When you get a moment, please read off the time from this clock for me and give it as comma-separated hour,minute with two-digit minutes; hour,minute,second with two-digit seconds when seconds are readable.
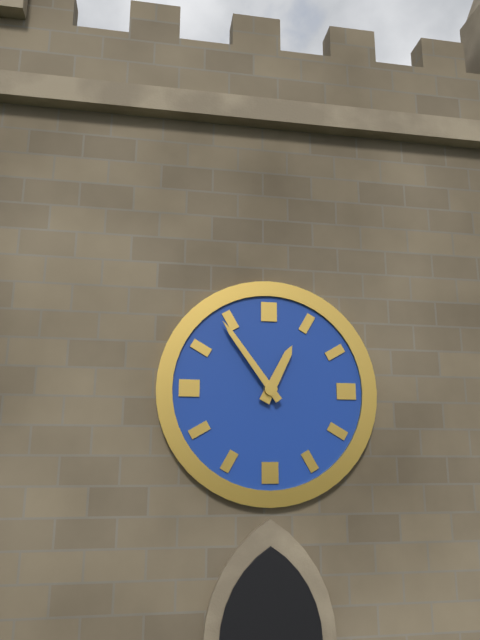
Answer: 12,54
